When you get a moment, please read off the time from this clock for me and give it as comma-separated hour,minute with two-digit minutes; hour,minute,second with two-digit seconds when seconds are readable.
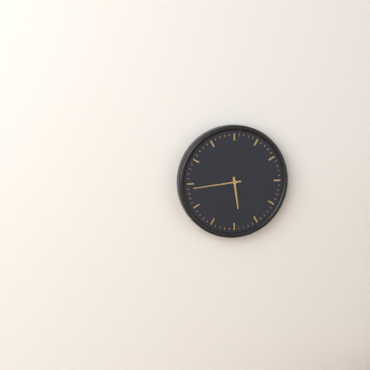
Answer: 5,44
